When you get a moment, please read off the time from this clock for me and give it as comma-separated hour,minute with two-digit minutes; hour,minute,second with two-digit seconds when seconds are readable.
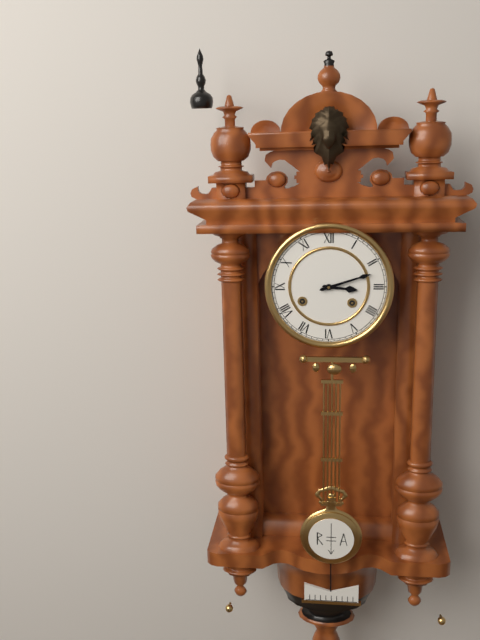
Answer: 3,12
